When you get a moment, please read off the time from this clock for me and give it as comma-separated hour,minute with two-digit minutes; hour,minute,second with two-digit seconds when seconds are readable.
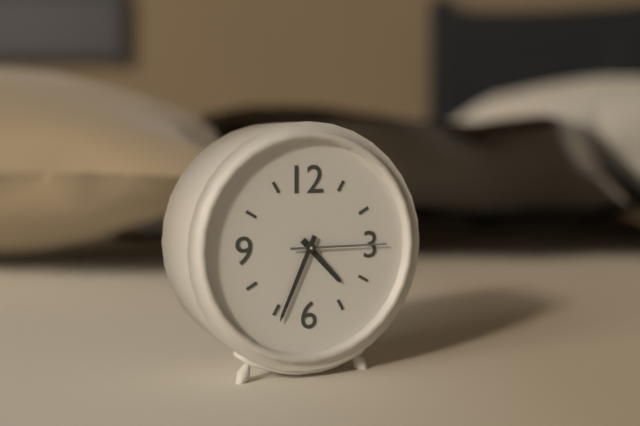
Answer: 4,34,15
